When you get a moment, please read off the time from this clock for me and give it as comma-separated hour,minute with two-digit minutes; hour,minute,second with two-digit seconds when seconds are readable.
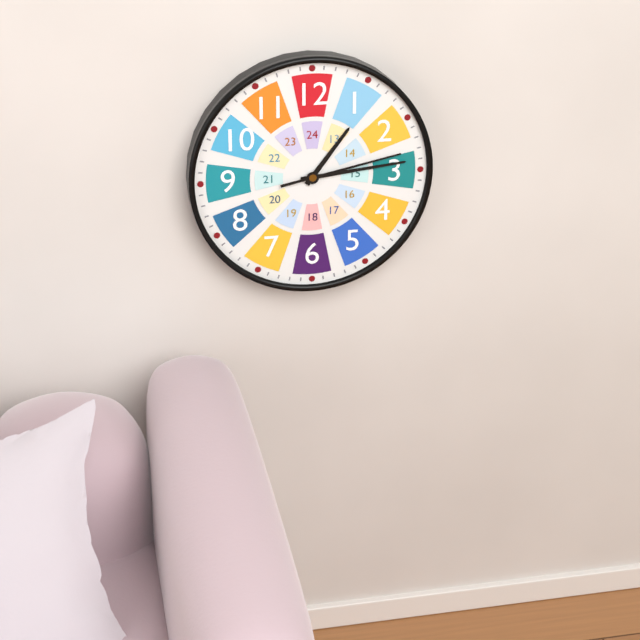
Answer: 1,14,13
